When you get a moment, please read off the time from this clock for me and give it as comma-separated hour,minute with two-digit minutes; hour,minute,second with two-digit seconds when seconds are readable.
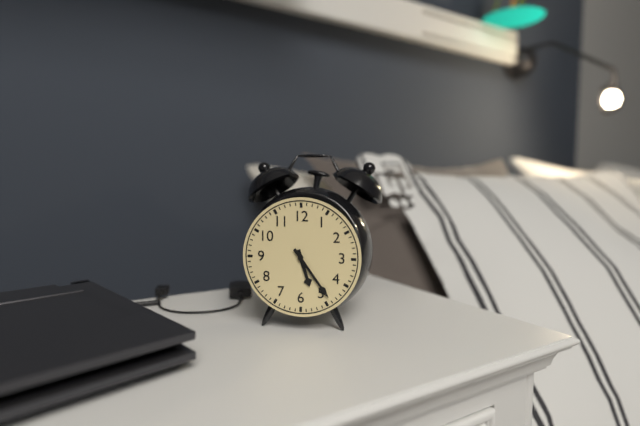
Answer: 5,24
